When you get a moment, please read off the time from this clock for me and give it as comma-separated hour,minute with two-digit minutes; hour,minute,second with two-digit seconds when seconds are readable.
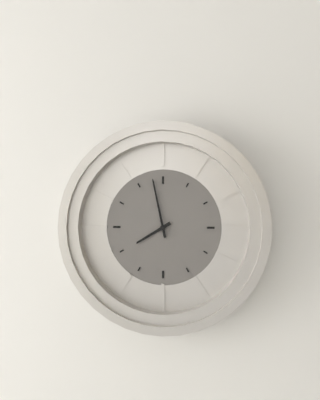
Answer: 7,58
